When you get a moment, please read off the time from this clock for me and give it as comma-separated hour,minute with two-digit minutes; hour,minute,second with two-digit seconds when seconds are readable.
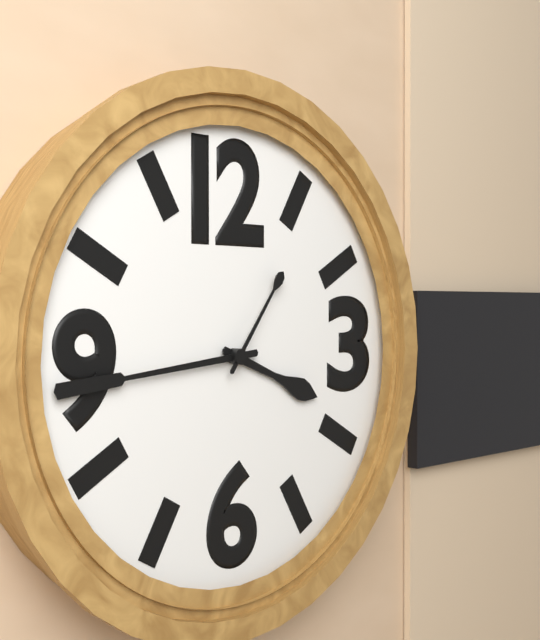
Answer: 3,44,06
